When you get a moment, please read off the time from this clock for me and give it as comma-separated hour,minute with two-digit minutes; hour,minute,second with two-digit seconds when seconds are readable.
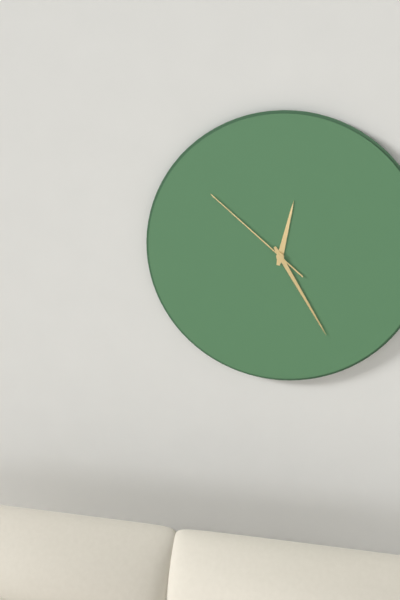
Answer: 12,25,52
